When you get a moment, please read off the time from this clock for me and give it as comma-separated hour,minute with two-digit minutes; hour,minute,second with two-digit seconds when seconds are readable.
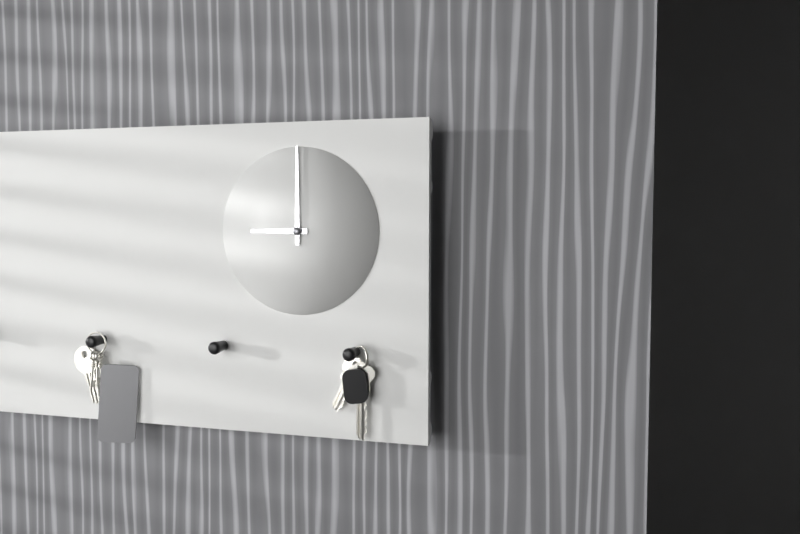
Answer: 9,00
